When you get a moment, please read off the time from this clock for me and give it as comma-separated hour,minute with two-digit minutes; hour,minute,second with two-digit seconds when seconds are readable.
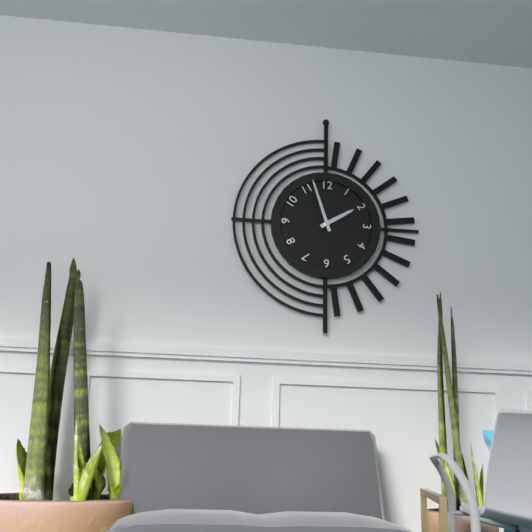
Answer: 1,57
